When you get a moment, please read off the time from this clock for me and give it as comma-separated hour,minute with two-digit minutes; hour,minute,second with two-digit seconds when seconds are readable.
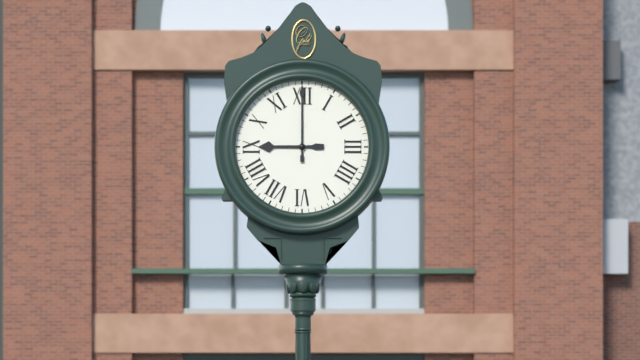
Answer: 9,00
